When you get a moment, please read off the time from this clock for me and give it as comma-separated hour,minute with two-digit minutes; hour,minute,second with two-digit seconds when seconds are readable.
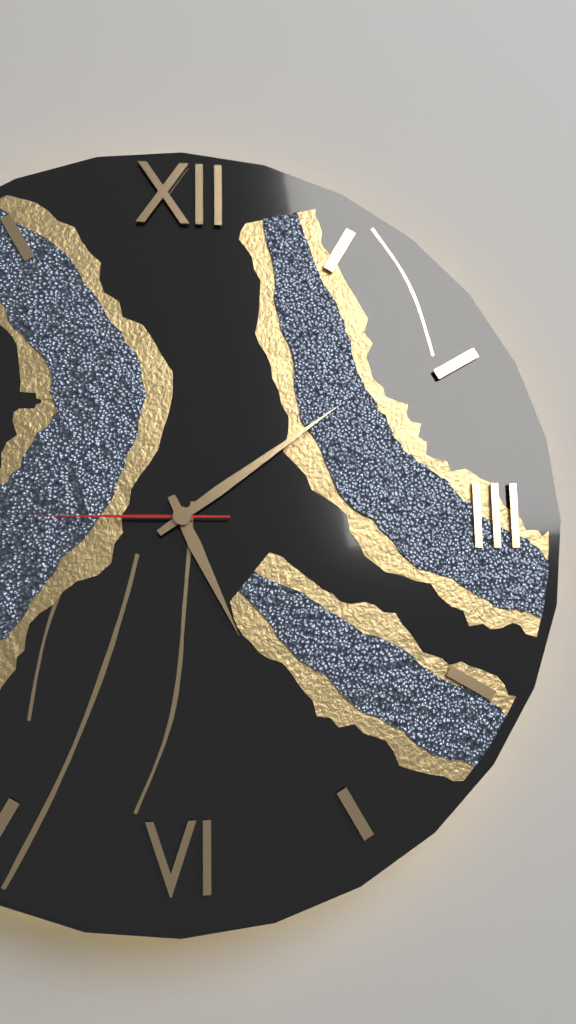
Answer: 5,09,45
